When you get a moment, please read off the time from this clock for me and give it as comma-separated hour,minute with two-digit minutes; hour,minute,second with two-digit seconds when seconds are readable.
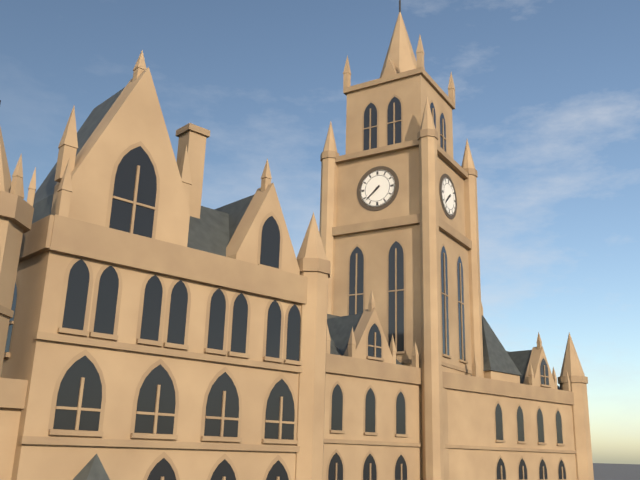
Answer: 7,38
